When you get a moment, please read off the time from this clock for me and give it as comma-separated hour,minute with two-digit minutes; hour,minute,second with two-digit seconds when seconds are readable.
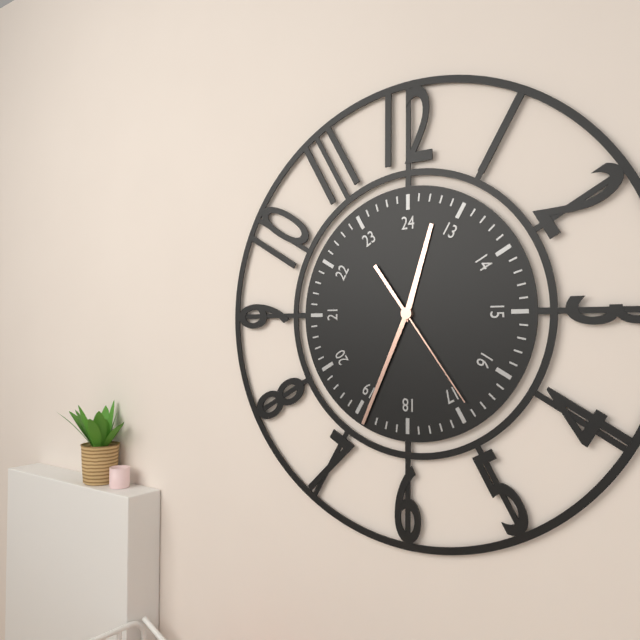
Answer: 12,34,24
